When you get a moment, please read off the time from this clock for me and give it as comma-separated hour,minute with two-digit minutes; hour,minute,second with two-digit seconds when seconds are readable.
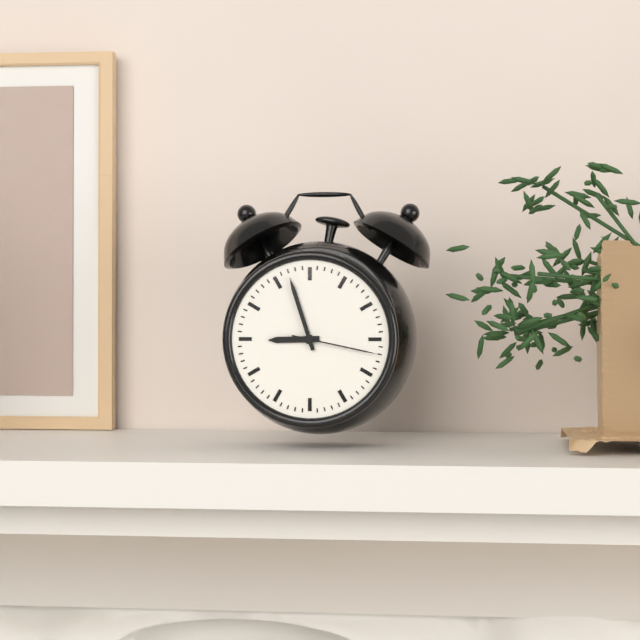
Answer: 8,57,17
